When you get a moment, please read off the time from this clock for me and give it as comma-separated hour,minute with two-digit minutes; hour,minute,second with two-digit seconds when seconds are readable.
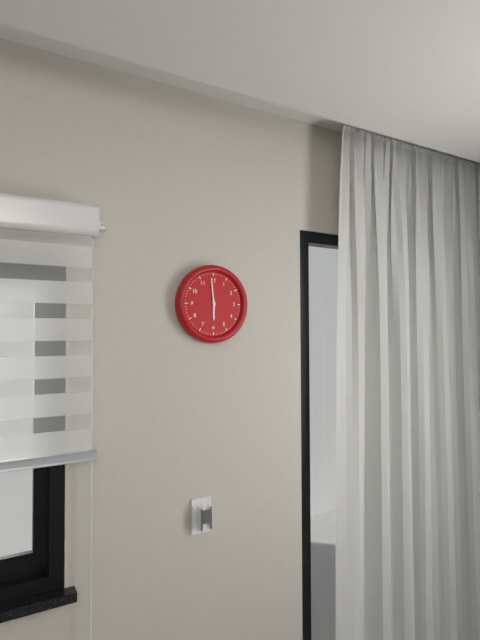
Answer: 5,59
